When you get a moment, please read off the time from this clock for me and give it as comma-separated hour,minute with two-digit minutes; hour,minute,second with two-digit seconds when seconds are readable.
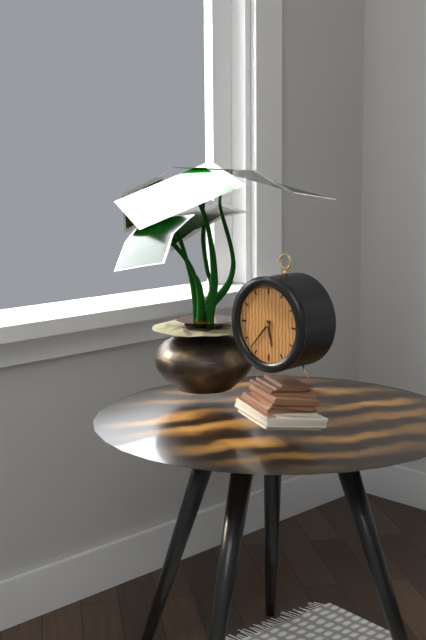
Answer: 5,37
